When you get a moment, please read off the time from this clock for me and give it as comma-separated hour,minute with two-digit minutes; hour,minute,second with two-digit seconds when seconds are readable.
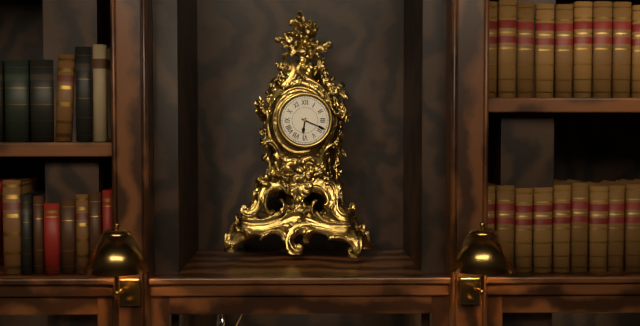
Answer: 6,19
